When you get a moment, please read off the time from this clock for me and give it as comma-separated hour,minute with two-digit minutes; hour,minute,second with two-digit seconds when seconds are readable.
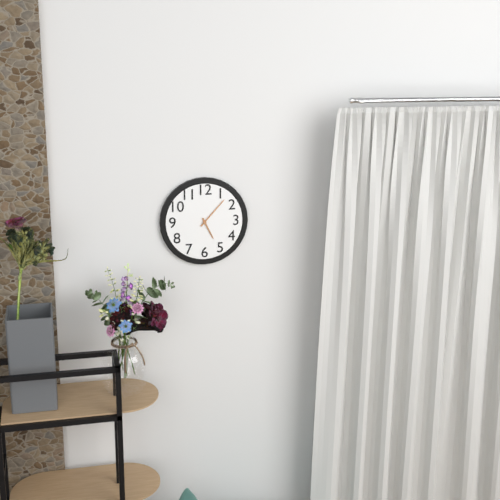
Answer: 5,07
